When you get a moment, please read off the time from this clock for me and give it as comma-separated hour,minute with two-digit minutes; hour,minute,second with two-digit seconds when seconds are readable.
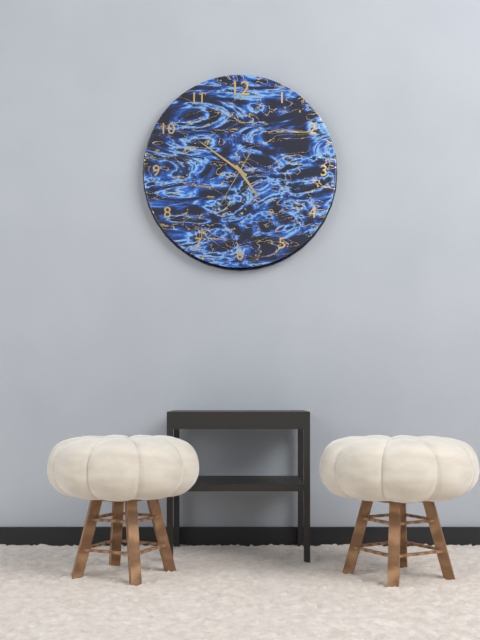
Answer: 4,51,35
